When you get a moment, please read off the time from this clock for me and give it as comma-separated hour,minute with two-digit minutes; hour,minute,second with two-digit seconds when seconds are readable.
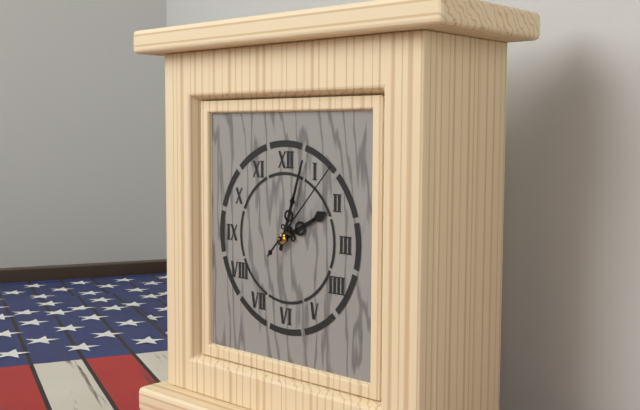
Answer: 2,03,07
